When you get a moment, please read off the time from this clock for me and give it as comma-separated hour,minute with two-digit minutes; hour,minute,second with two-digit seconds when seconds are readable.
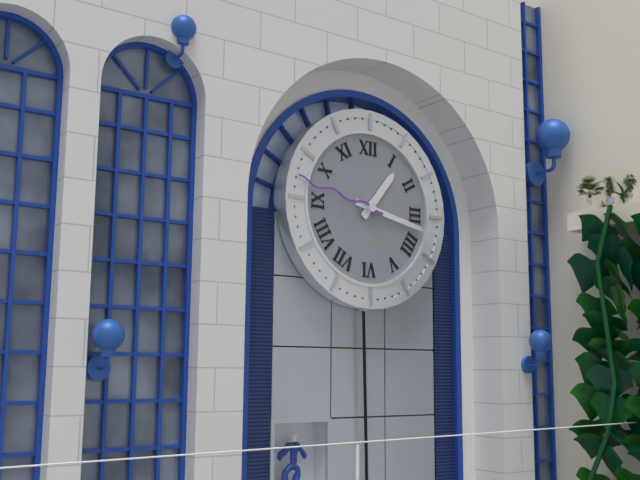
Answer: 1,17,47
